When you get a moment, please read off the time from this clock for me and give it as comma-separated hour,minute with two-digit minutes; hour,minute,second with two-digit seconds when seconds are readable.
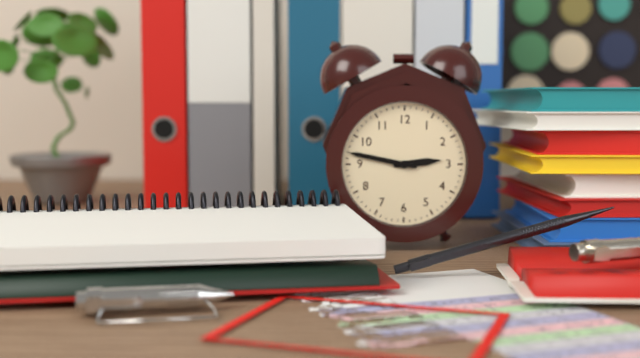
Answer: 2,47
